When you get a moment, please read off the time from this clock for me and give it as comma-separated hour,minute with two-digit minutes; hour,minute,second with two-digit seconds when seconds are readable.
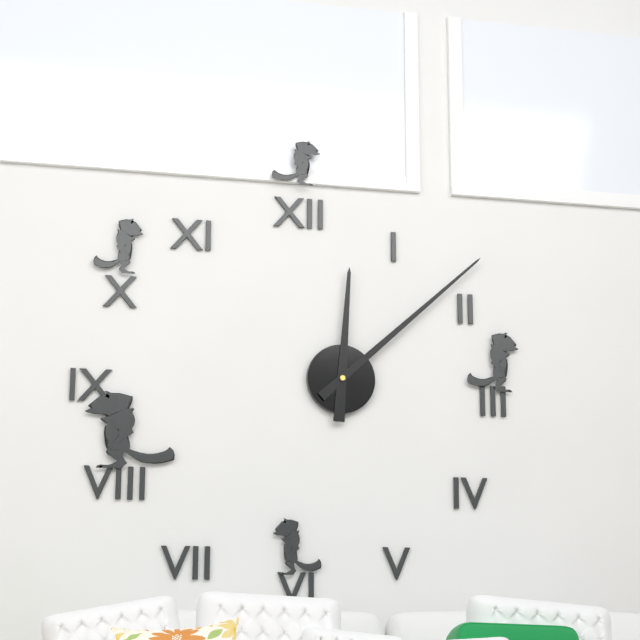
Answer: 12,08
